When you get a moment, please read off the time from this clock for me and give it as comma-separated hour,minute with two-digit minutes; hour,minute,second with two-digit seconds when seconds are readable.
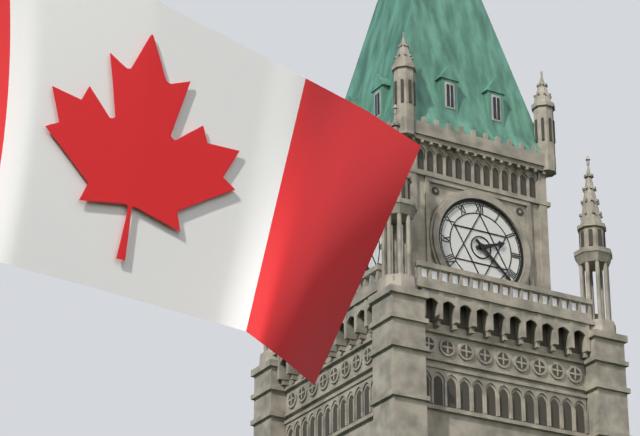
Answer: 2,22
